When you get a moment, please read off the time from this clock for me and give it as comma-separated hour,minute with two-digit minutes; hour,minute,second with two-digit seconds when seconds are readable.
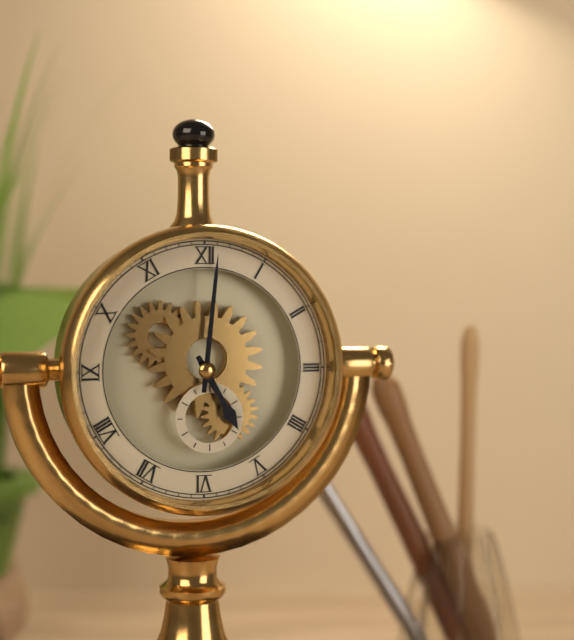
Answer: 5,01
